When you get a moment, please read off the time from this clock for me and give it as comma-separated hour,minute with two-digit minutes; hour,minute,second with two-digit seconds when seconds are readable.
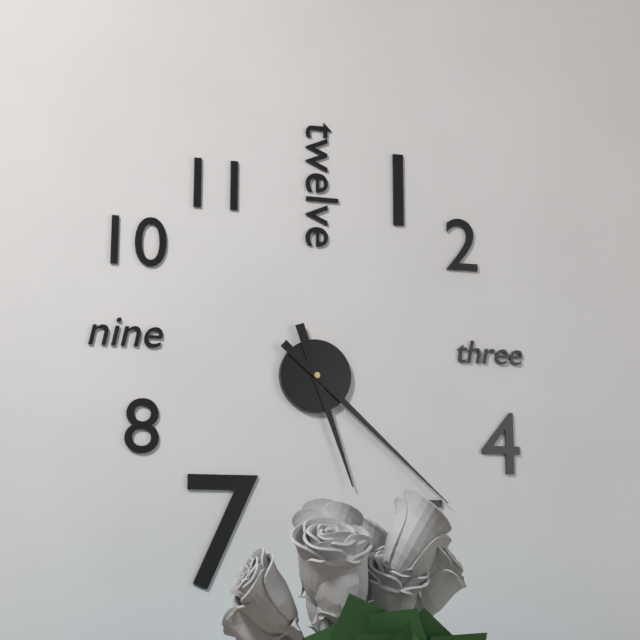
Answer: 5,22
